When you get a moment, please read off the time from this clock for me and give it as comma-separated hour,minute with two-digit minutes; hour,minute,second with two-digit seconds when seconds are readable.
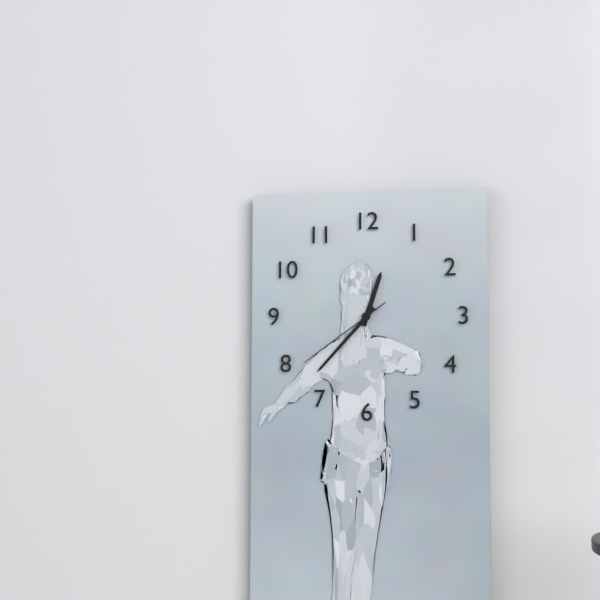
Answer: 12,37,39
